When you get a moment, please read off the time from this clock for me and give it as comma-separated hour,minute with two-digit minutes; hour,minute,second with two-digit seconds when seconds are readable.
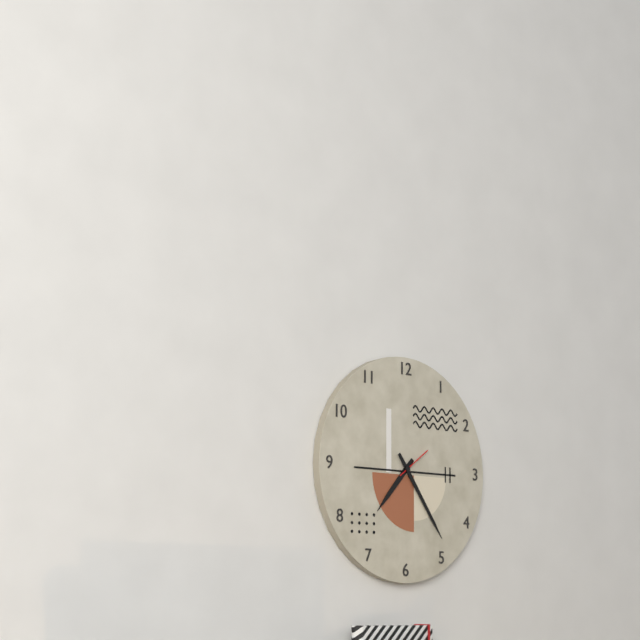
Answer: 7,24
